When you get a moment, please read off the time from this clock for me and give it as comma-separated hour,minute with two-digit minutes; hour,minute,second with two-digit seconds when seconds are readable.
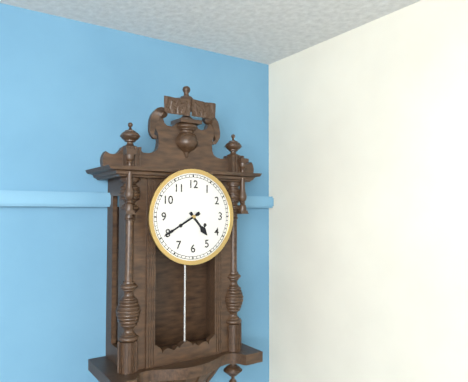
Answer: 4,40
